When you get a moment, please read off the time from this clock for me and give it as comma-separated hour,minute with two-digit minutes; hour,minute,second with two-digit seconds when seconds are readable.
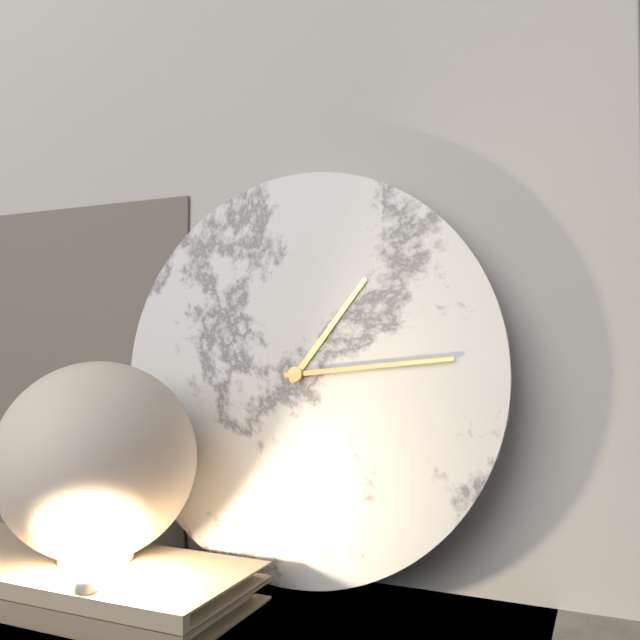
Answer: 1,14
